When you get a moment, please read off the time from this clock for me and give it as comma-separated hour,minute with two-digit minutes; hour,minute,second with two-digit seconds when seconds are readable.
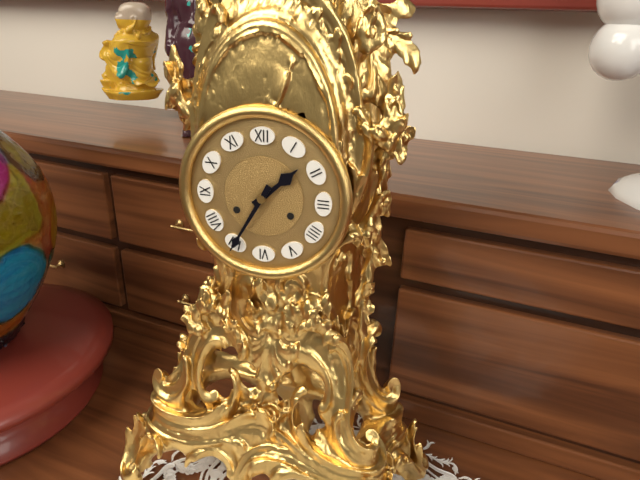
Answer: 1,35
